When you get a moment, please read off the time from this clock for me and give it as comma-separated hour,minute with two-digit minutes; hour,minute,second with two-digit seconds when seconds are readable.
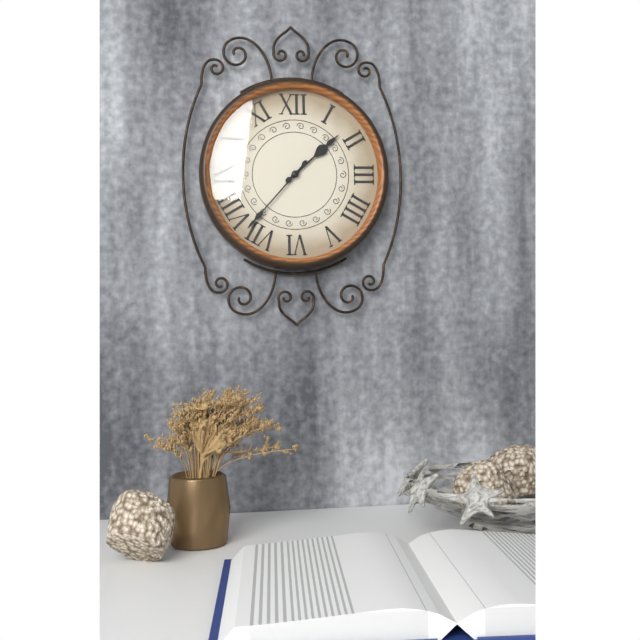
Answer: 1,37
